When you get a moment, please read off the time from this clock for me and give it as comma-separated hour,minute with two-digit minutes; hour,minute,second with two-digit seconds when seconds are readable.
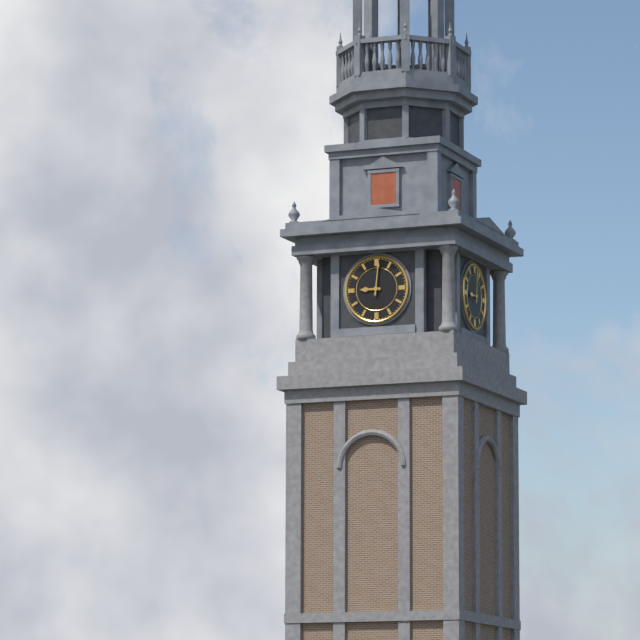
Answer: 9,01
